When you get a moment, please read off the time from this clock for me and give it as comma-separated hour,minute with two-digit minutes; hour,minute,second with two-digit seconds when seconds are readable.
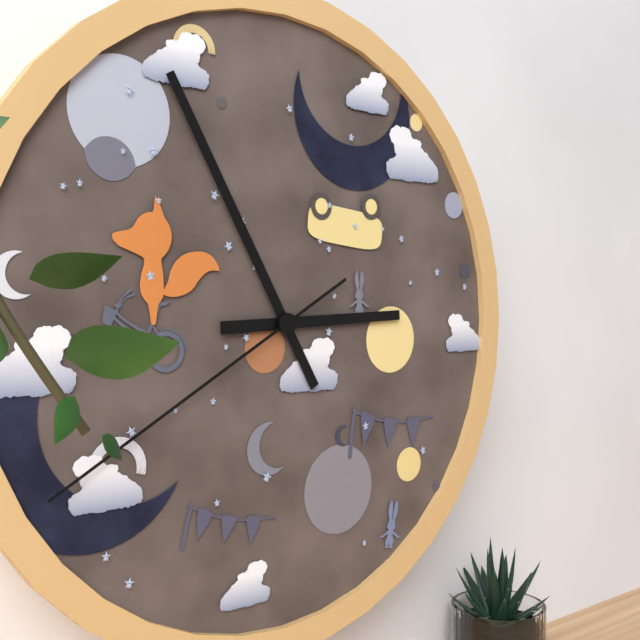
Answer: 2,55,40
